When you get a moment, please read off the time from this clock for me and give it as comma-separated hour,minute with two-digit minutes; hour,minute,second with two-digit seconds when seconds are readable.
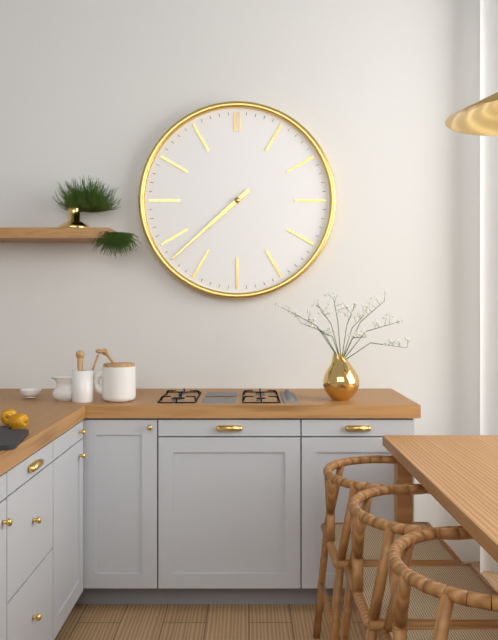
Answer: 7,38
